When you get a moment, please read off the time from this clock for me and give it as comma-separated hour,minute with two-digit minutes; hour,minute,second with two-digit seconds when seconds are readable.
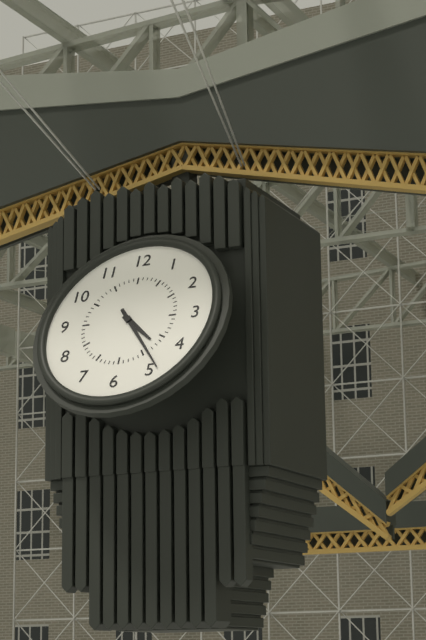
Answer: 4,24
